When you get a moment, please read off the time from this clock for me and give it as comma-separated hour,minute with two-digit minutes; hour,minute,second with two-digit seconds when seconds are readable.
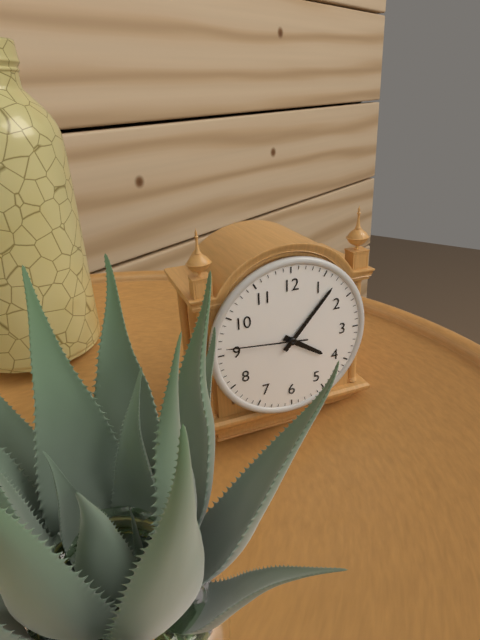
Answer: 4,07,46
